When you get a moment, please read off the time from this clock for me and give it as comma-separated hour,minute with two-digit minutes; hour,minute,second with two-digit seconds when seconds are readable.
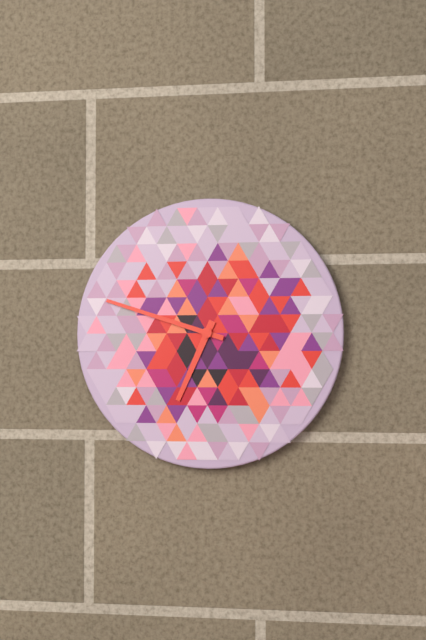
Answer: 6,48
